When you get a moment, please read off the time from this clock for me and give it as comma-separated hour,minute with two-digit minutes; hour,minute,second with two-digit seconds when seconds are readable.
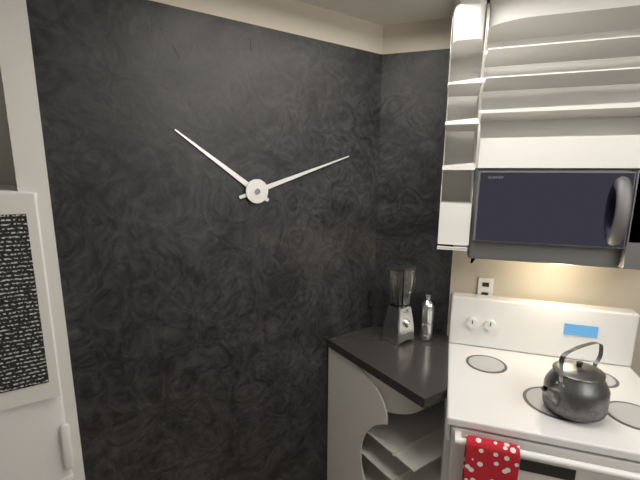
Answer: 10,12
